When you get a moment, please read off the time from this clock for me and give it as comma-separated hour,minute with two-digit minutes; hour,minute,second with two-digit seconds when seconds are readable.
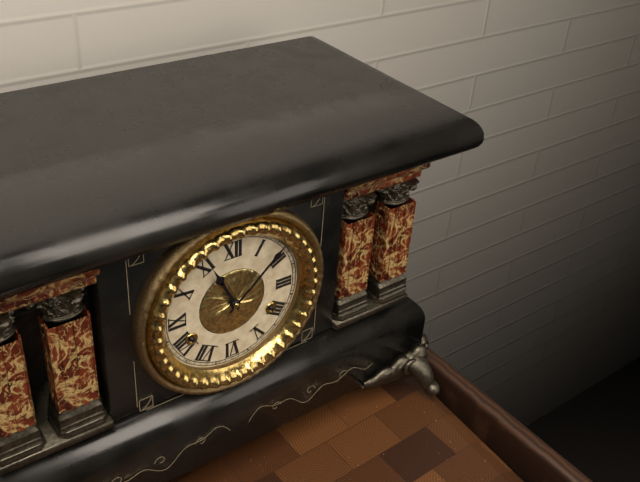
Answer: 11,08
